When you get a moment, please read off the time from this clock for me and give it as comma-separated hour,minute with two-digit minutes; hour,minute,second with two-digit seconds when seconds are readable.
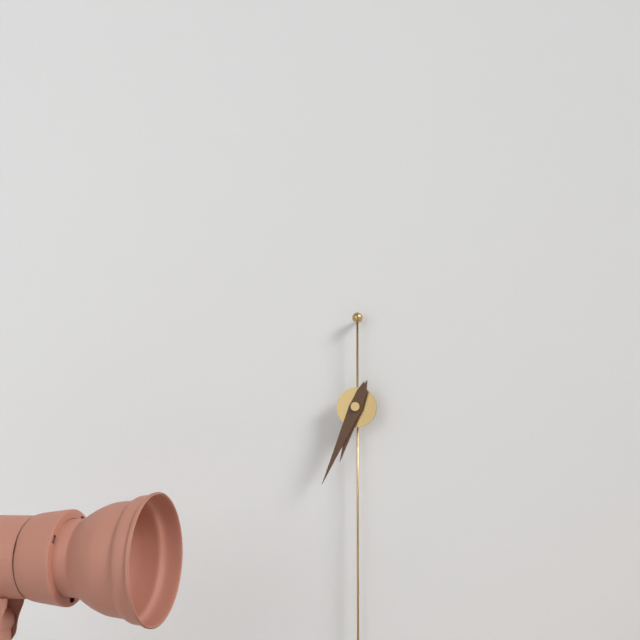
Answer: 6,34
